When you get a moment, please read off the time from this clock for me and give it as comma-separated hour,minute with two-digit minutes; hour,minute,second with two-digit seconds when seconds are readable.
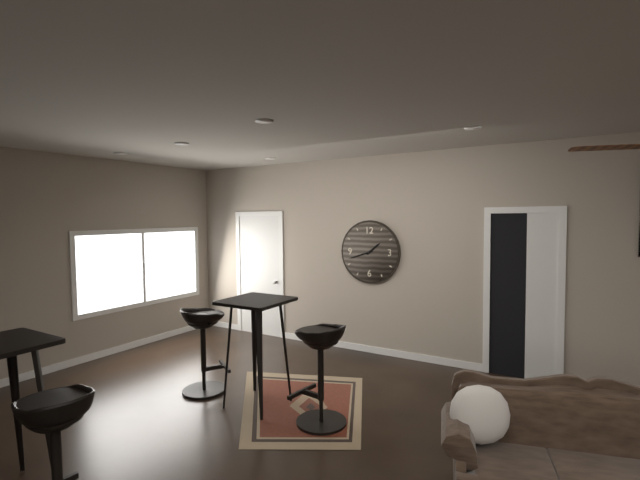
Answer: 1,42
